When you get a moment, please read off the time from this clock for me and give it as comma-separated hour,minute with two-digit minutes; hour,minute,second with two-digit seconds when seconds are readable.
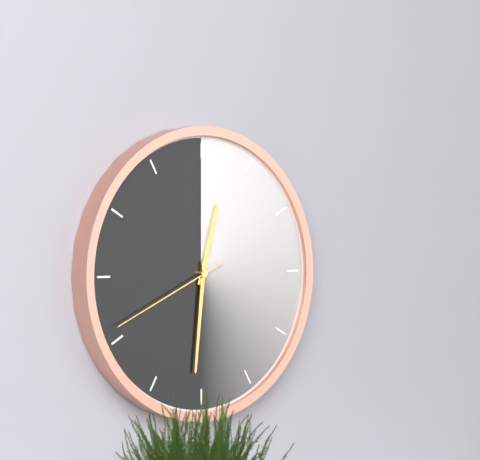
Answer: 12,31,41
